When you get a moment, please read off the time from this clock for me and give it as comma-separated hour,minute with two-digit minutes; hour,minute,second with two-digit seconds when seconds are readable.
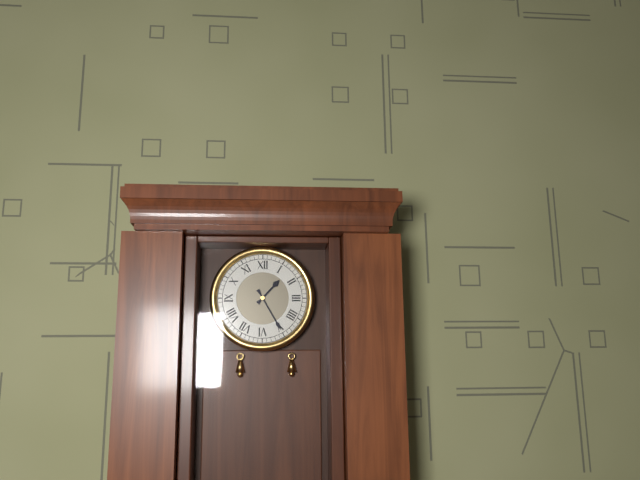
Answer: 1,25
